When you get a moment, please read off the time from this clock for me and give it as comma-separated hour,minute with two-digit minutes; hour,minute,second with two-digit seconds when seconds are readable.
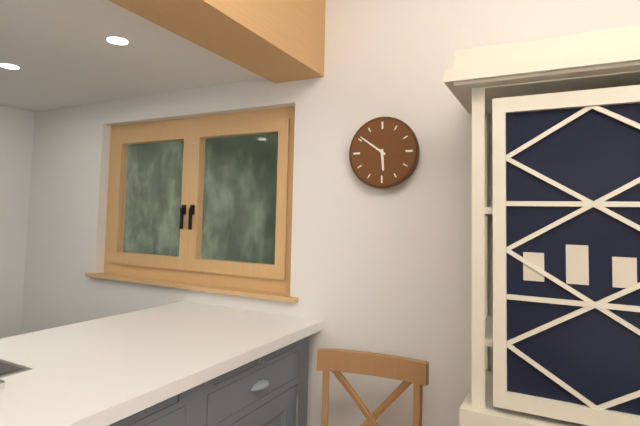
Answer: 5,51
